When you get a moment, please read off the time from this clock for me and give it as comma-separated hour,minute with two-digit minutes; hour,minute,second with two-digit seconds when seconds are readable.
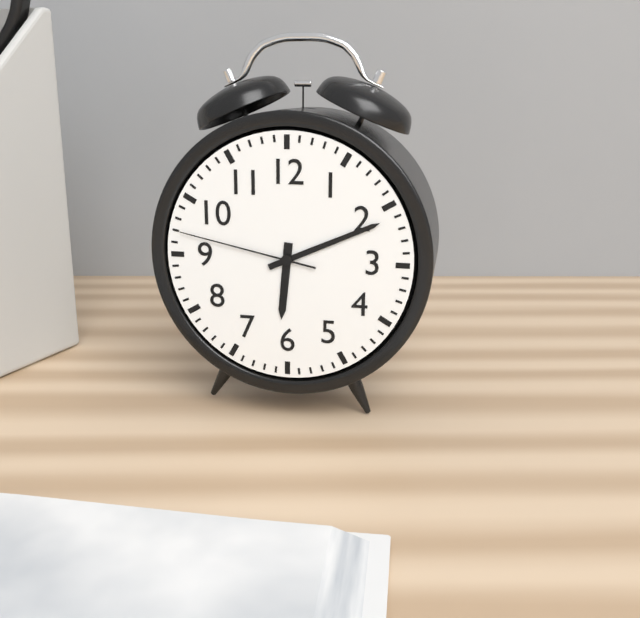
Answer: 6,11,47
